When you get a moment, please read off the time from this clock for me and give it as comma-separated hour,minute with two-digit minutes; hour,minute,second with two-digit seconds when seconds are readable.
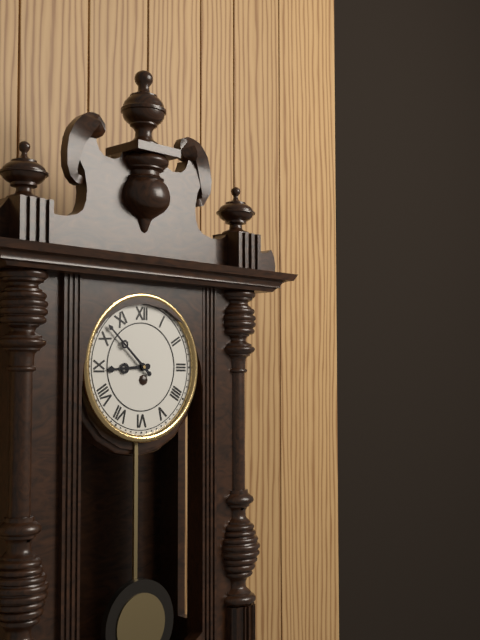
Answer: 8,52
